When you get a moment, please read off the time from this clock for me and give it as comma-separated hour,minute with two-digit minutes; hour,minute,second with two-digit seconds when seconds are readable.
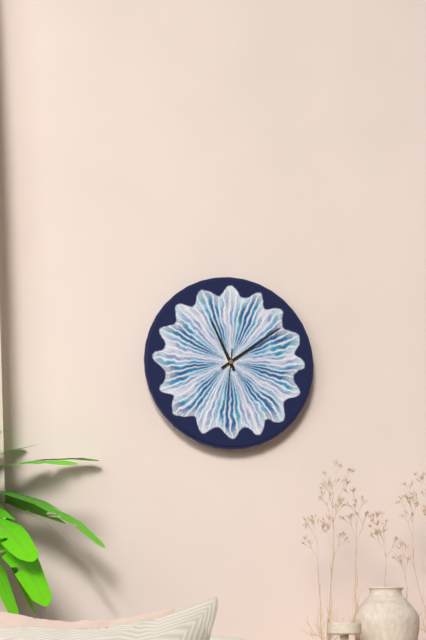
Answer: 11,09,31
